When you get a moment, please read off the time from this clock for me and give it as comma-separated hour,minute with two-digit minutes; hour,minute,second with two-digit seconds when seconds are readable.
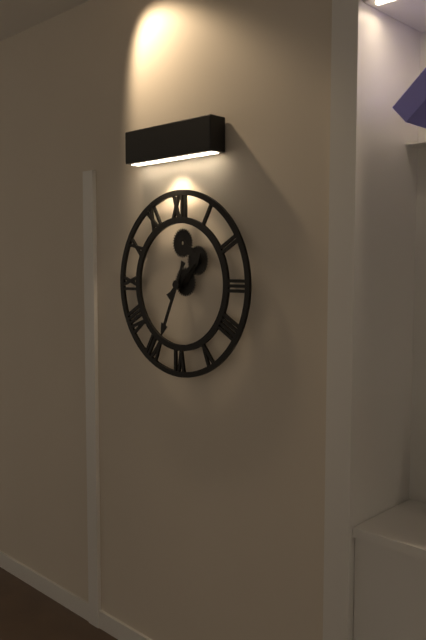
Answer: 1,34
